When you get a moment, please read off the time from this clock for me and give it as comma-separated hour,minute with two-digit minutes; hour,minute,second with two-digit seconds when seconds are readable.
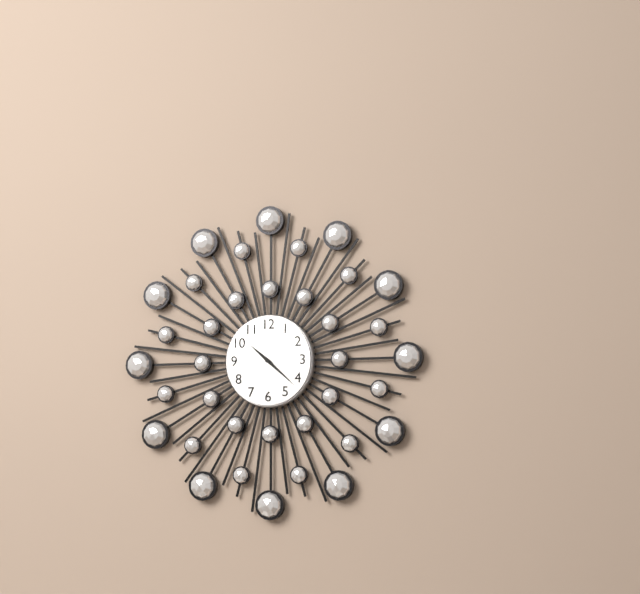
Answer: 10,22
